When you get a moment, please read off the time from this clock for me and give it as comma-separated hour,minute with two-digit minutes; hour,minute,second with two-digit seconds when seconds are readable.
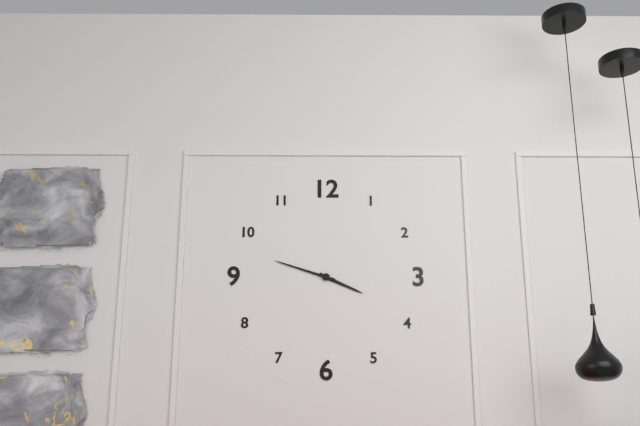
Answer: 3,48
